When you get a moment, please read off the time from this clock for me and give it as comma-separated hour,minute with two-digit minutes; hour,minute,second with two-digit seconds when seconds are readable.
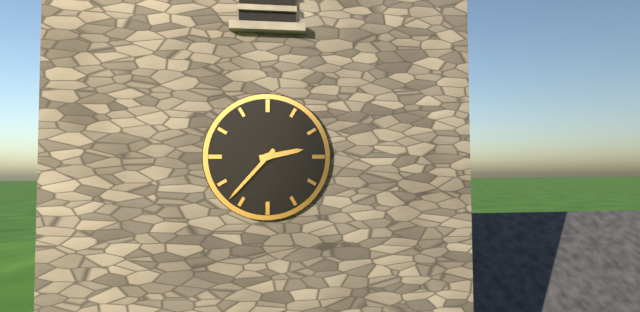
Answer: 2,37
